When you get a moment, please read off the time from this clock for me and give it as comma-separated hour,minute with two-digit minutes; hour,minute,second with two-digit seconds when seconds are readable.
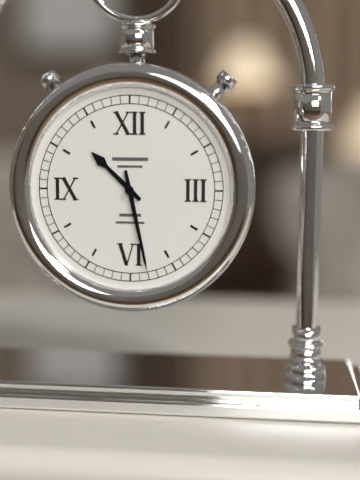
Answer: 10,28
